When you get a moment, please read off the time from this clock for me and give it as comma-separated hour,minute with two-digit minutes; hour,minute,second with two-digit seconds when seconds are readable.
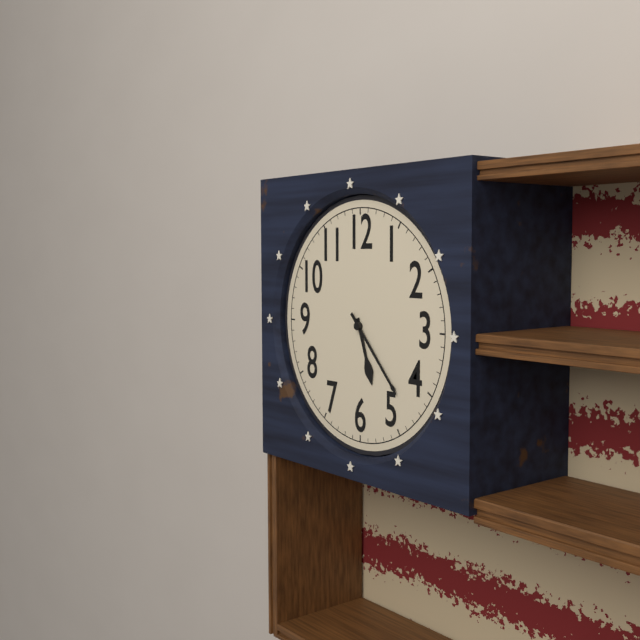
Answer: 5,23
